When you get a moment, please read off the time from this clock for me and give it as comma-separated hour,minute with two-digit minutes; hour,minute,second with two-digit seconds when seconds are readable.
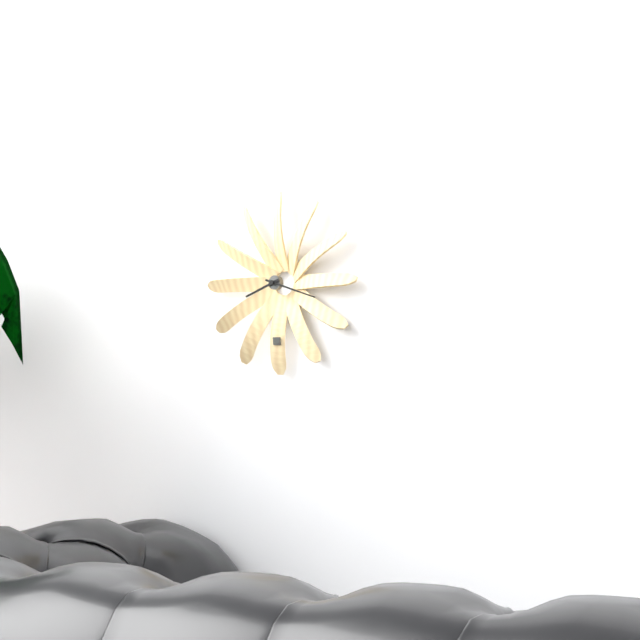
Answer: 8,18
